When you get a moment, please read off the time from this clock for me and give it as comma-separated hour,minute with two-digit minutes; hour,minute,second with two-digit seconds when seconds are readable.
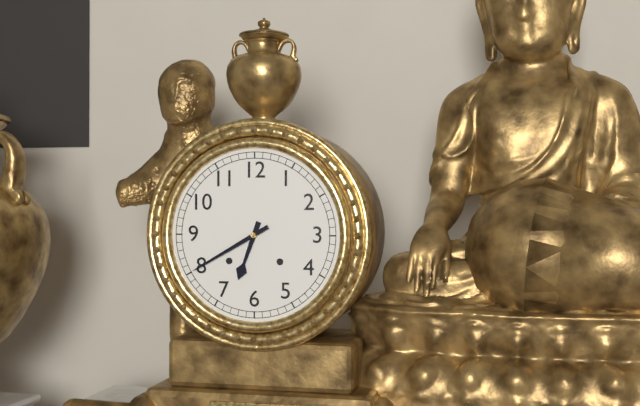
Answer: 6,40
